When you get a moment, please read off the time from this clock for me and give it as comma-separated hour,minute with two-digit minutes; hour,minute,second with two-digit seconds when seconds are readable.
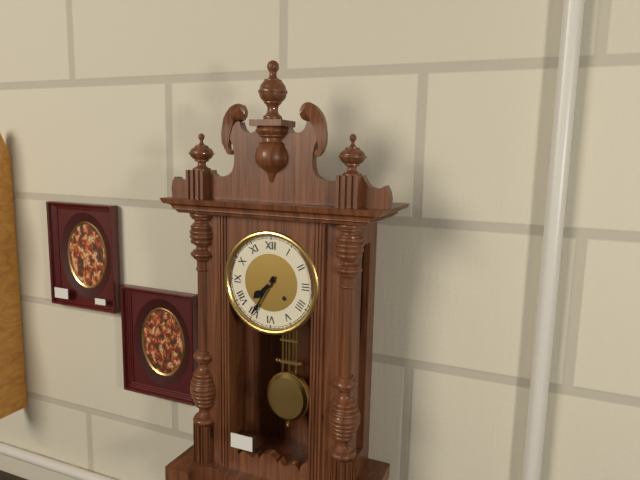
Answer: 7,35
